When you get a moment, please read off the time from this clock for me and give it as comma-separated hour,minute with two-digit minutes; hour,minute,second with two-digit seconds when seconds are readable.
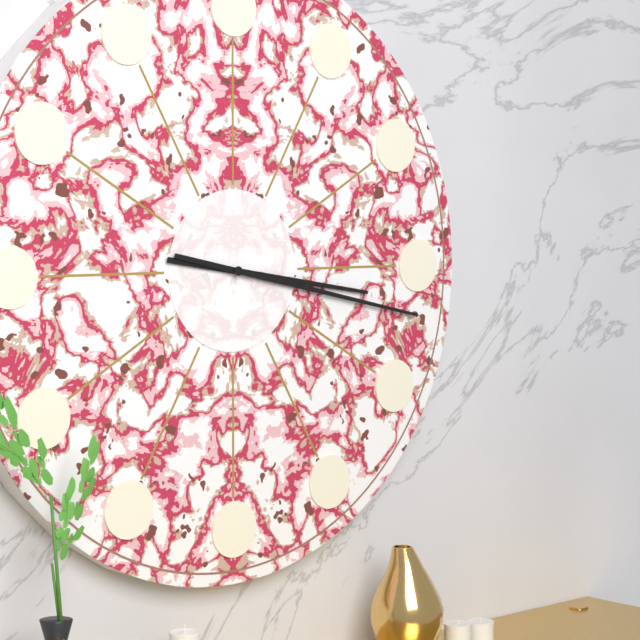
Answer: 3,17
